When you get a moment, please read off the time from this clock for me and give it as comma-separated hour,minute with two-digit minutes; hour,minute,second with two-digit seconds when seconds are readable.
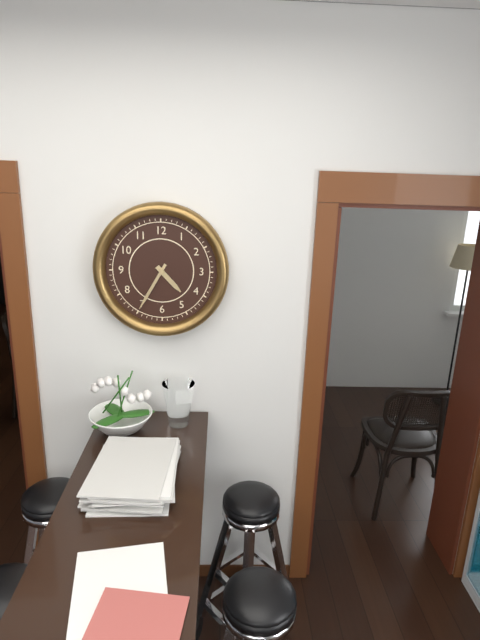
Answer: 4,35
